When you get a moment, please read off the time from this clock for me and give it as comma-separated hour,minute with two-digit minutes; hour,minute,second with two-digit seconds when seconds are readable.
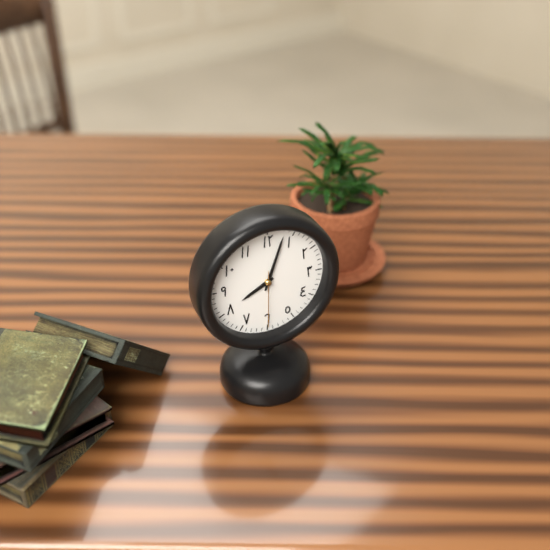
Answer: 8,03,30
